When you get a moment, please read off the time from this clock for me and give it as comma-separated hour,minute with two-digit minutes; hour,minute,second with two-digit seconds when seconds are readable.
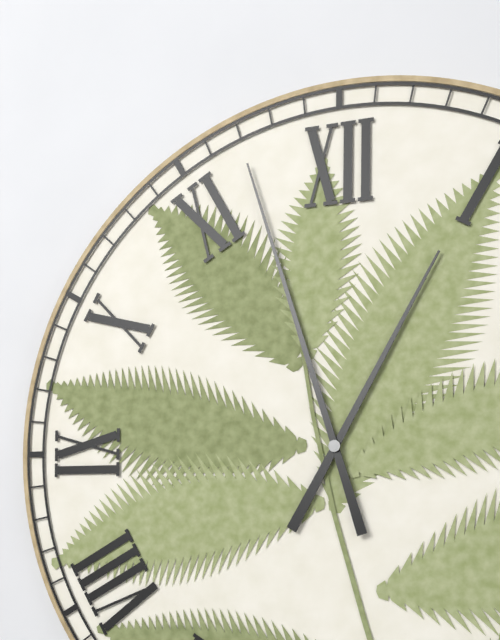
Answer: 12,57
